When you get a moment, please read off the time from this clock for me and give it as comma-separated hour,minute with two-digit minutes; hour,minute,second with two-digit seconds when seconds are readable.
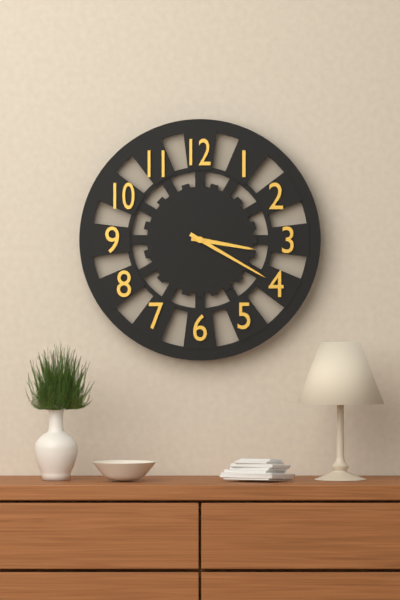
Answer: 3,20
